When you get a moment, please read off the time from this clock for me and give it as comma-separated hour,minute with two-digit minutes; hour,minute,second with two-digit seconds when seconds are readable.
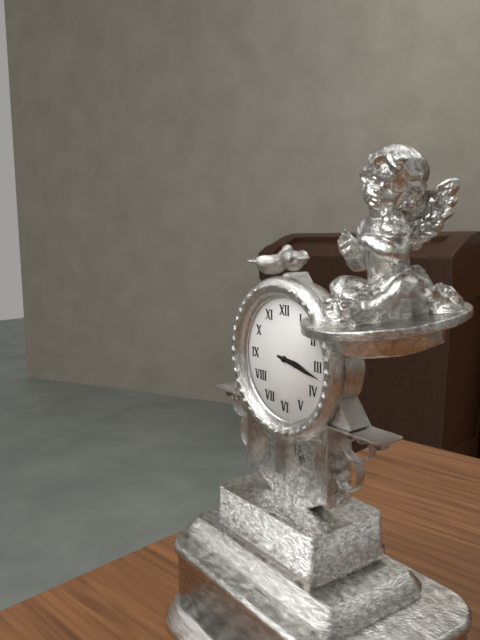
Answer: 3,17
